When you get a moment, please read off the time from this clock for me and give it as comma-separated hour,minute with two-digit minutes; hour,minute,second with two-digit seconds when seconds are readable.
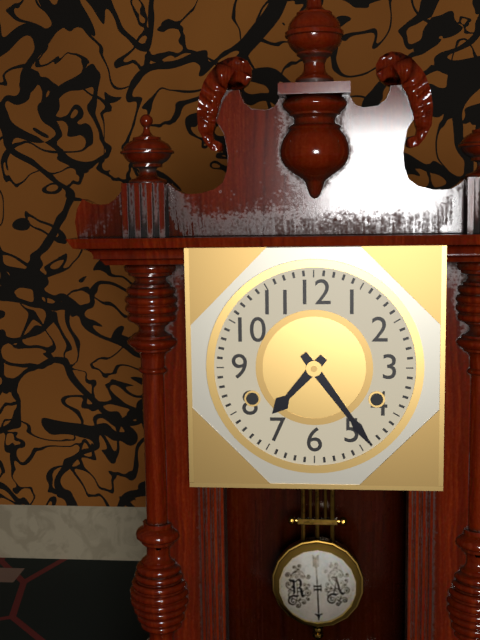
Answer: 7,24
